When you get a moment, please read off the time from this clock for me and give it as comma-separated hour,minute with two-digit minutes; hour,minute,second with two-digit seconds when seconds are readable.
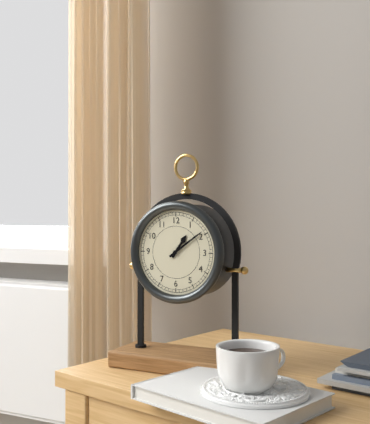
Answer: 1,09
